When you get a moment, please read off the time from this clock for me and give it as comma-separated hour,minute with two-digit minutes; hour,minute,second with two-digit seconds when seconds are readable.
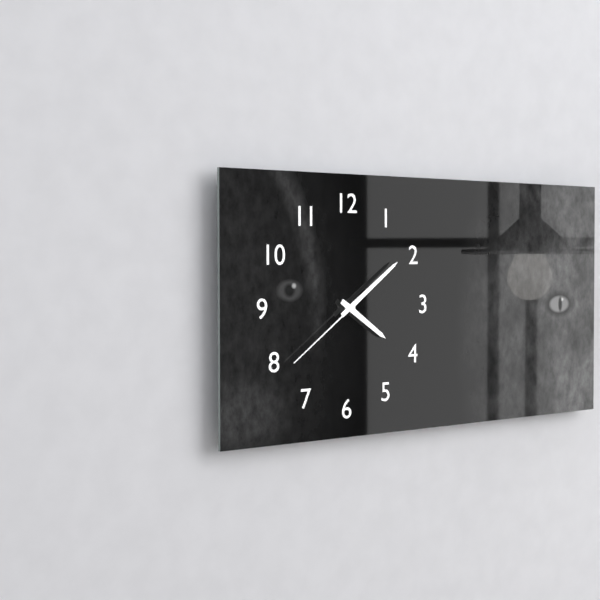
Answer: 4,09,39
